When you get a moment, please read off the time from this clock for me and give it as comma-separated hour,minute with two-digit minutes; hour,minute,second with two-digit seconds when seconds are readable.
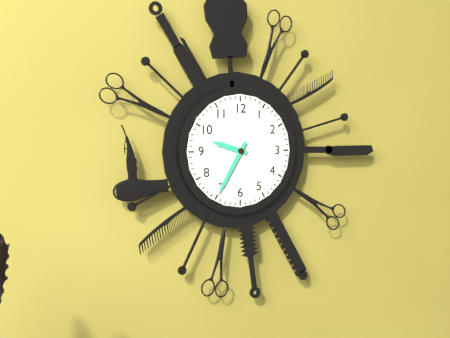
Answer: 9,35
